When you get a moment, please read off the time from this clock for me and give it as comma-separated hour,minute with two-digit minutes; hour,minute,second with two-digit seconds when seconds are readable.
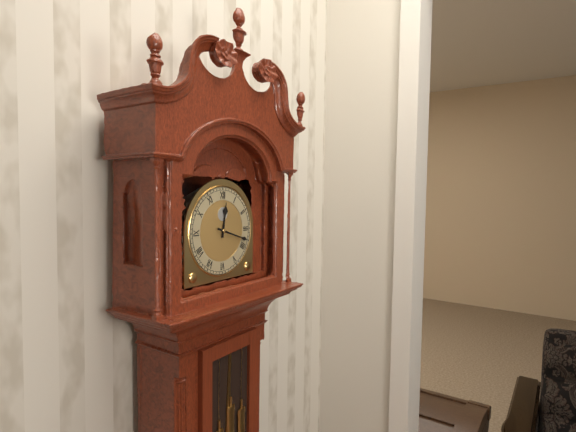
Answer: 12,18
